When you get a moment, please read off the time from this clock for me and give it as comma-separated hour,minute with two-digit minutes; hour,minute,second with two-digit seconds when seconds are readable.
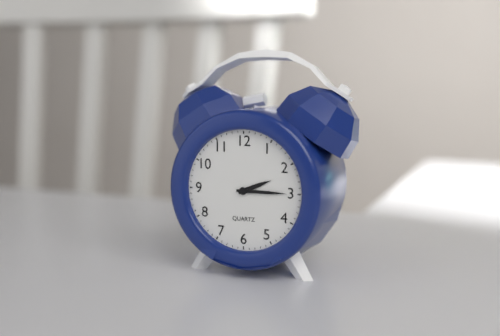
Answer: 2,15
